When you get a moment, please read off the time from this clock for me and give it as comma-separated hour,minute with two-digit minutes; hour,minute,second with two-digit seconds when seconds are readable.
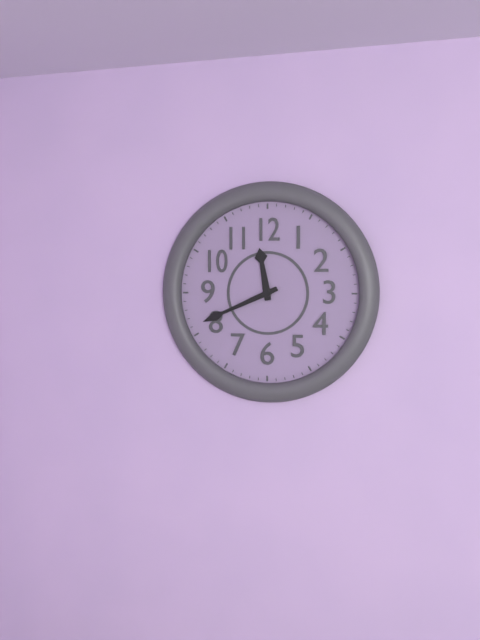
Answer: 11,41
